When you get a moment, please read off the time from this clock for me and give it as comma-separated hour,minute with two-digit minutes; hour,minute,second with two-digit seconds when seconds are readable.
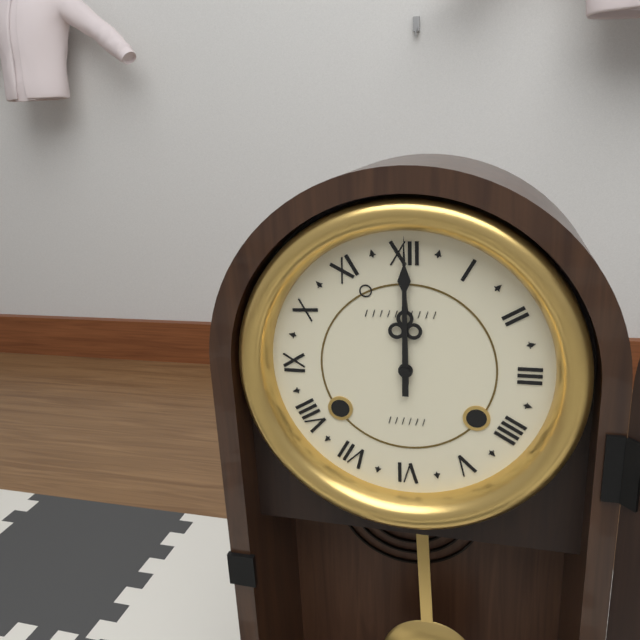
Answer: 12,00
